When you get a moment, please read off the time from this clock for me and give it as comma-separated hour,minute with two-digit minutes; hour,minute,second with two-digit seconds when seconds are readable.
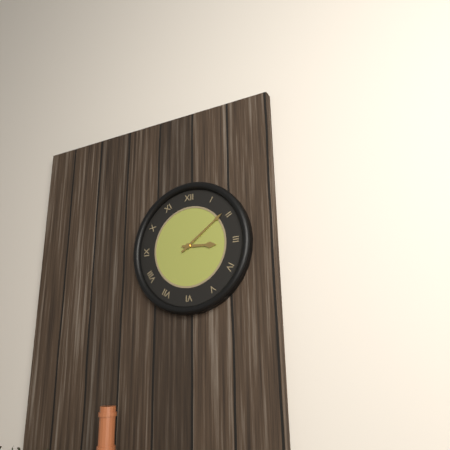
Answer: 3,09
